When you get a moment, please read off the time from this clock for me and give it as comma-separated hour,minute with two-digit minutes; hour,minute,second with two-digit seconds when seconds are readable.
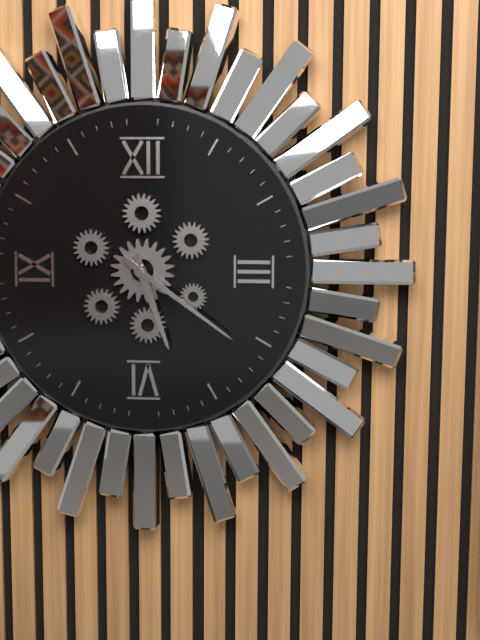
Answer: 5,21
